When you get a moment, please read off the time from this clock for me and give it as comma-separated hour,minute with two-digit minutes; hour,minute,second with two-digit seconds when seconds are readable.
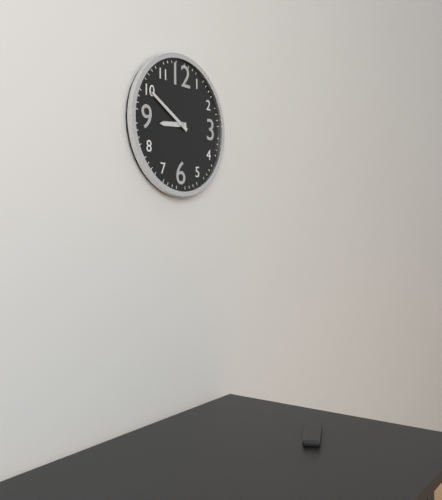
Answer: 8,50
